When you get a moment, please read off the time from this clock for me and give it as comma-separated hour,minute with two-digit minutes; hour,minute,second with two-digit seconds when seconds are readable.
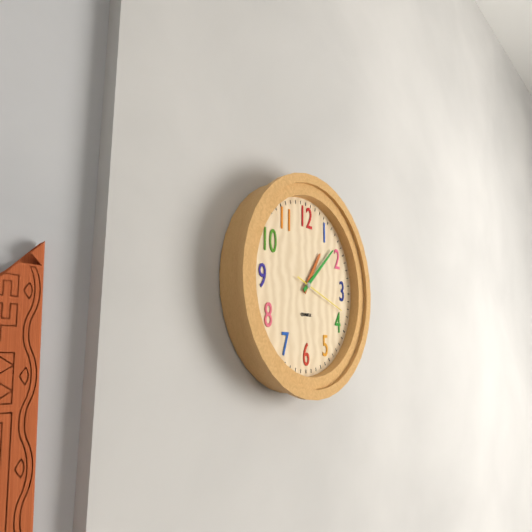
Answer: 1,08,18
